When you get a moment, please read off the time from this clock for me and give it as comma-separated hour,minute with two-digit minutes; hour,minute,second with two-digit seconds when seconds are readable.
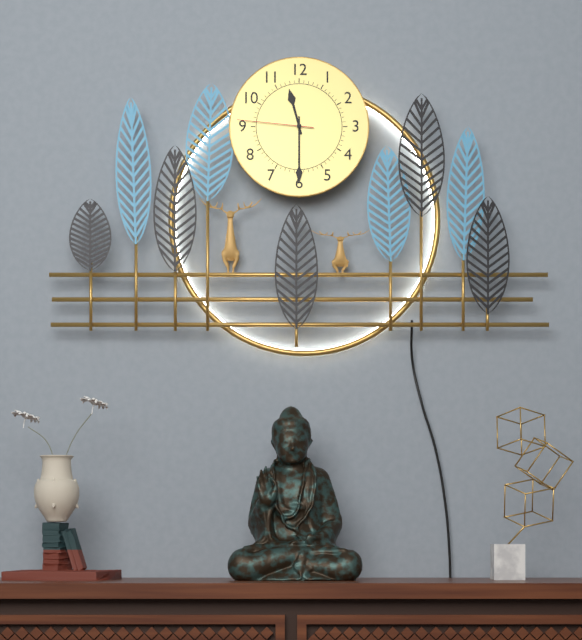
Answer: 11,30,46
